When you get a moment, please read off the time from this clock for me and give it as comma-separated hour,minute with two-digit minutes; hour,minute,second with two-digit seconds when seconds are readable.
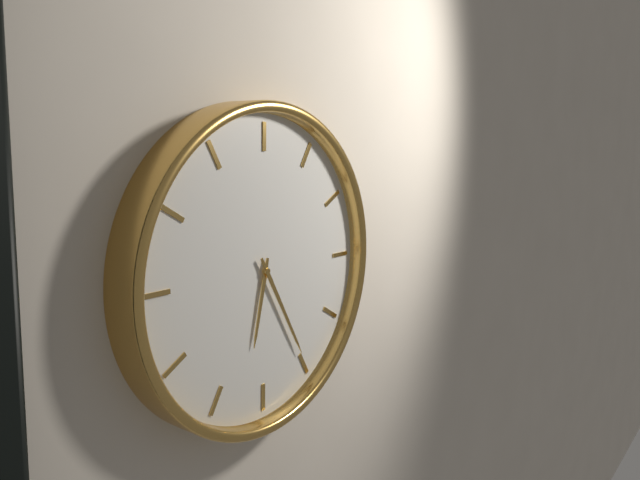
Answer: 6,25
